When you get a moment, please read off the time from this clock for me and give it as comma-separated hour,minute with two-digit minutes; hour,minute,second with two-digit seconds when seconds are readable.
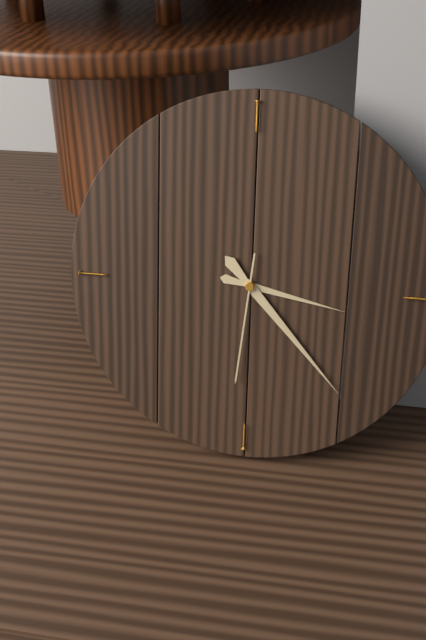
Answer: 3,23,31
